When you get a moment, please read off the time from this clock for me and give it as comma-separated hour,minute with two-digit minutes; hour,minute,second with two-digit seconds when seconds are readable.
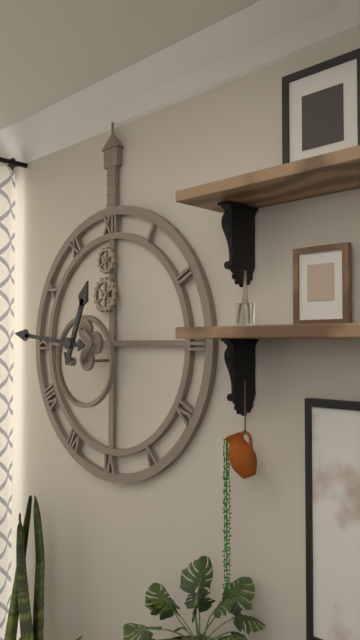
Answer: 12,46
